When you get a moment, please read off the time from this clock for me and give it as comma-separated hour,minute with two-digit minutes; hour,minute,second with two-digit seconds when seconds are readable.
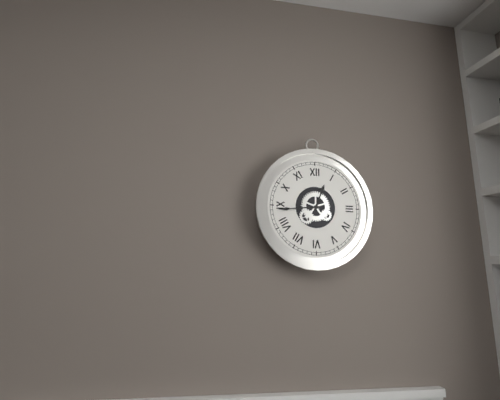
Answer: 12,44
